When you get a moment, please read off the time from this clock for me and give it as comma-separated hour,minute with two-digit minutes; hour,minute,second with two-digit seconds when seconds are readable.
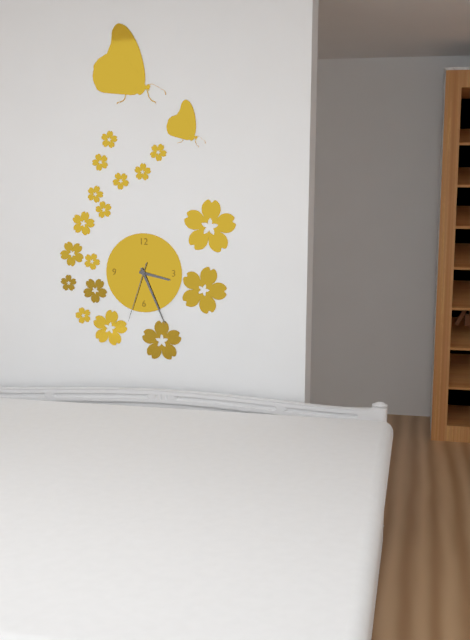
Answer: 3,26,33
